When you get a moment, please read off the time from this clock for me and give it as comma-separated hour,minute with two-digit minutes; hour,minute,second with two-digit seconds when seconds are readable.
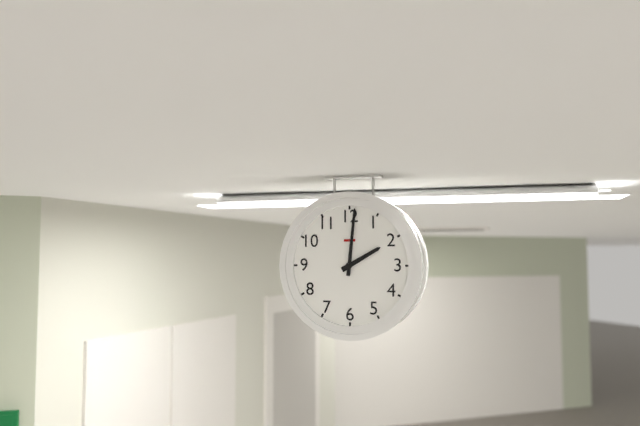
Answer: 2,01
